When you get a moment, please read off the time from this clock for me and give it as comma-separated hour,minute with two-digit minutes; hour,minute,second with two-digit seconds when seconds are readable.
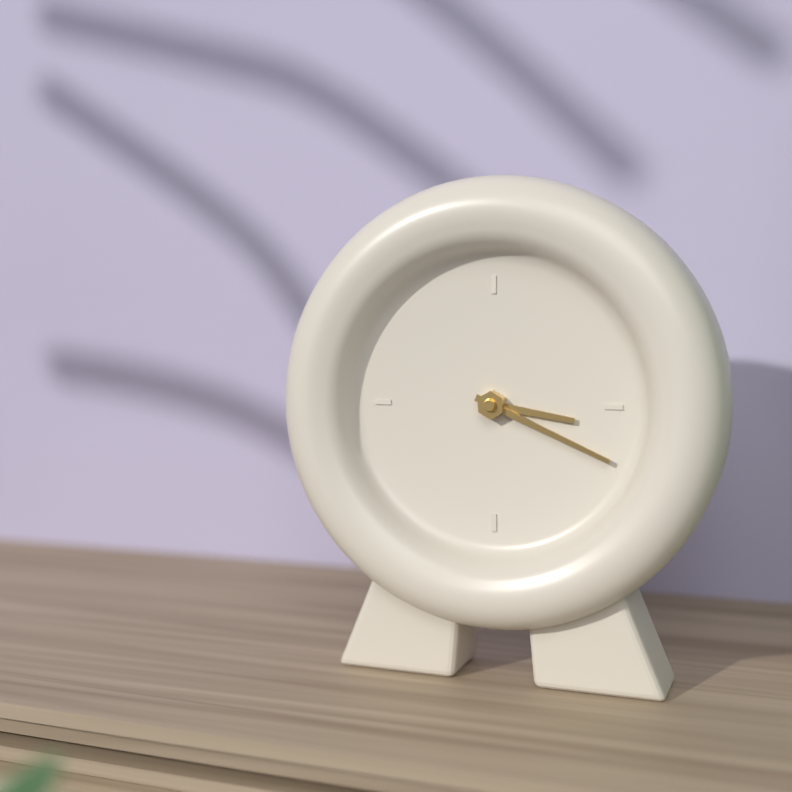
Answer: 3,19
